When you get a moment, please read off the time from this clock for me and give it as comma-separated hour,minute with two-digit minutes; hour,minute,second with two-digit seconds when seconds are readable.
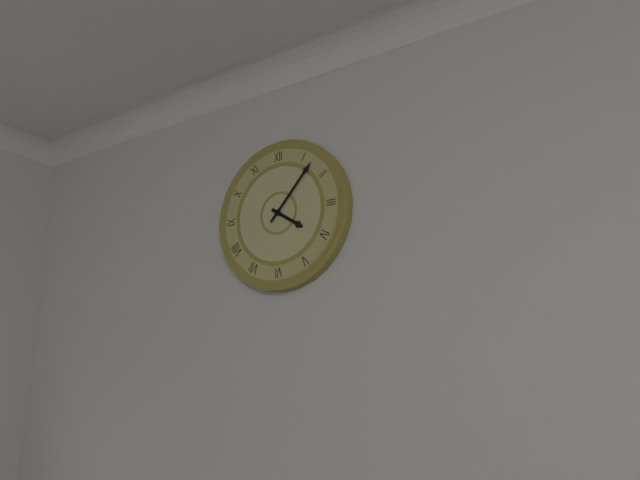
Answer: 4,07
